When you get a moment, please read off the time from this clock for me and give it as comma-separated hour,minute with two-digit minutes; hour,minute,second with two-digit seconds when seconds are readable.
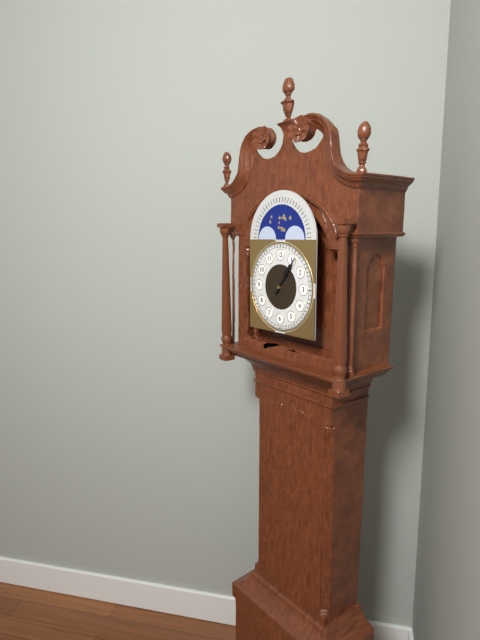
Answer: 1,06
